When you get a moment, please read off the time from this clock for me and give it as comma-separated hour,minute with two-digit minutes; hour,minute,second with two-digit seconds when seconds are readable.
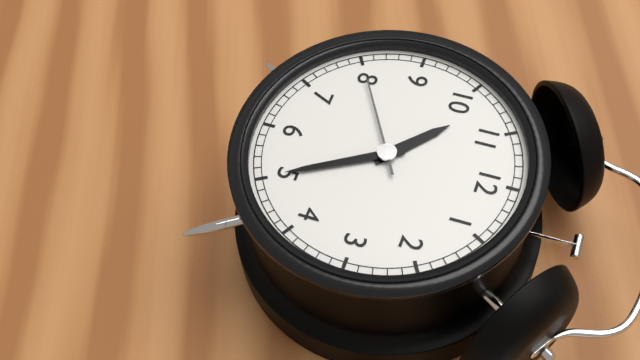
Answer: 10,25,40
